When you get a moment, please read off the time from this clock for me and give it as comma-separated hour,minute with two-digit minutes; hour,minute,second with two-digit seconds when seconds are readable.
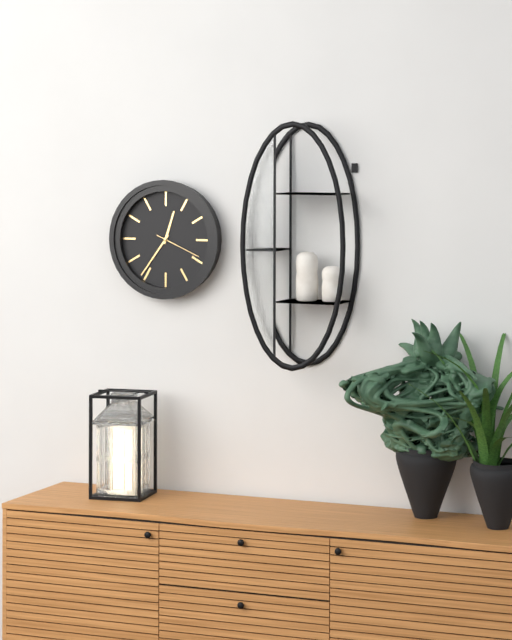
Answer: 12,36
